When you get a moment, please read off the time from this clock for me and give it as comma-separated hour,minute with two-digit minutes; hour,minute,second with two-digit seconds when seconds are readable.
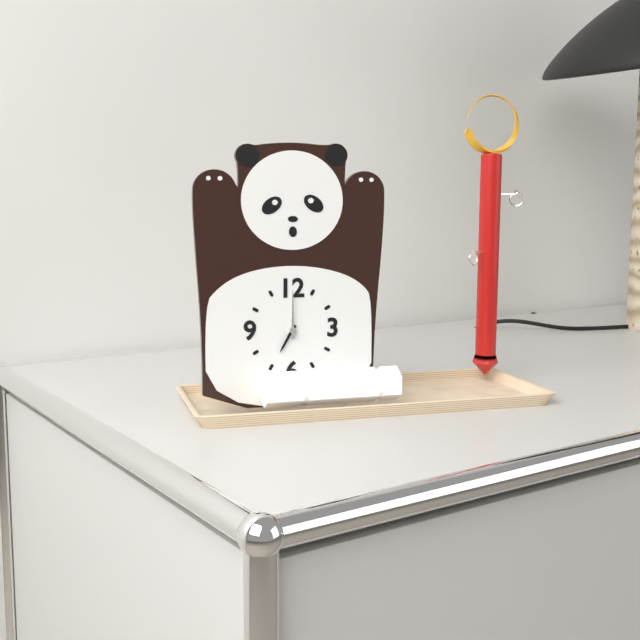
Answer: 7,00
